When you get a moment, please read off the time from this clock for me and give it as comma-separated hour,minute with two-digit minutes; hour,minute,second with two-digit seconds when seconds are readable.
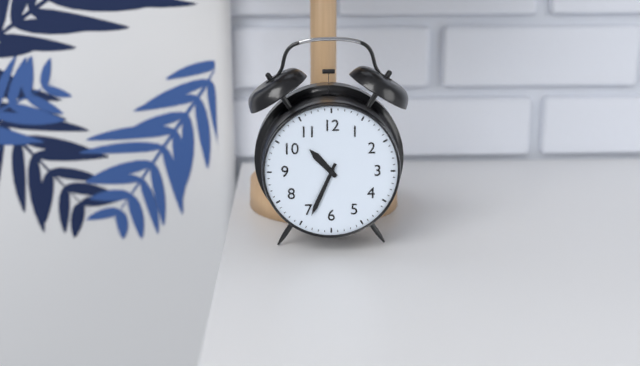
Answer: 10,34
